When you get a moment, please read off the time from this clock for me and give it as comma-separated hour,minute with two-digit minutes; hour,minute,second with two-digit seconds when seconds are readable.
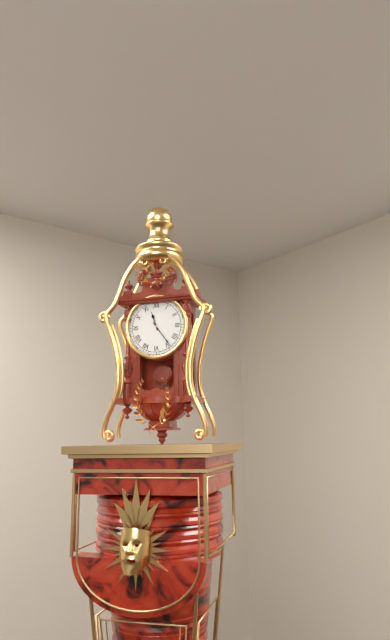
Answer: 11,24
